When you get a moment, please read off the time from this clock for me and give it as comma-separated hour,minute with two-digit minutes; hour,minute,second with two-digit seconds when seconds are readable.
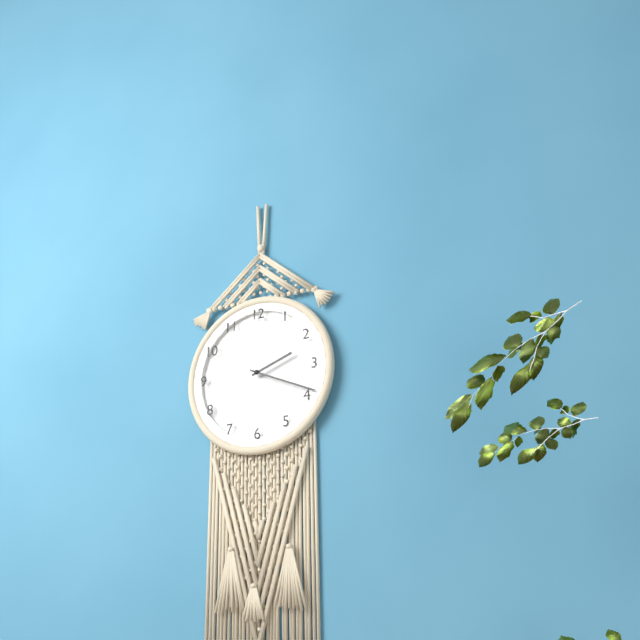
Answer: 2,19
